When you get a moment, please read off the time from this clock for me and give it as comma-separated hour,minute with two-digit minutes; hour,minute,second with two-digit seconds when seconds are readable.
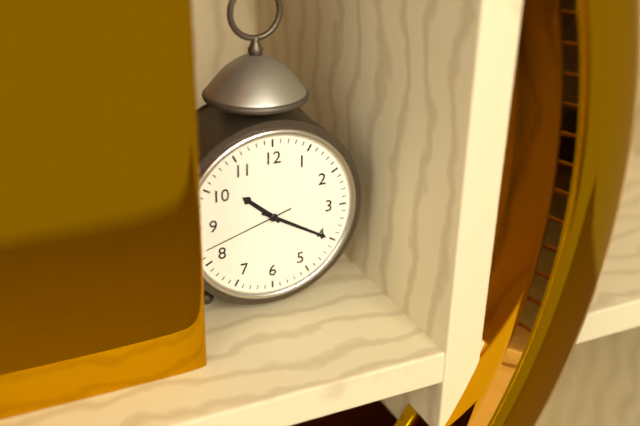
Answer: 10,20,42
